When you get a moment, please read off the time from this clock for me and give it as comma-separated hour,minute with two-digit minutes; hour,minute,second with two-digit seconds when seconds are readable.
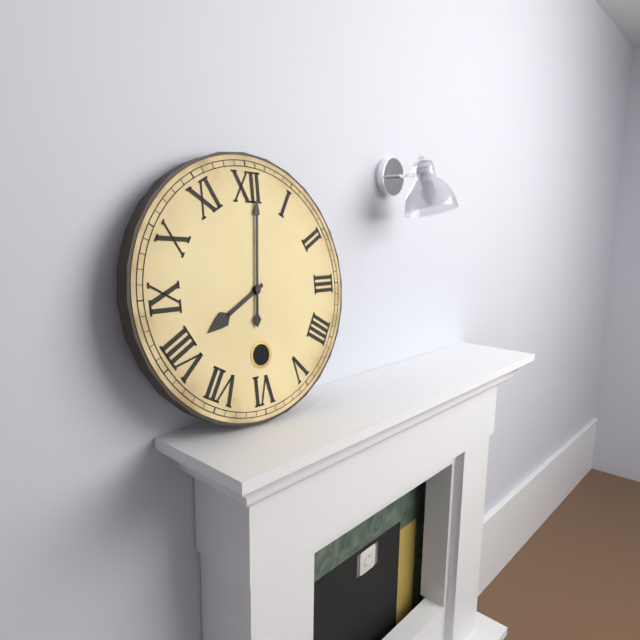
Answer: 8,01
